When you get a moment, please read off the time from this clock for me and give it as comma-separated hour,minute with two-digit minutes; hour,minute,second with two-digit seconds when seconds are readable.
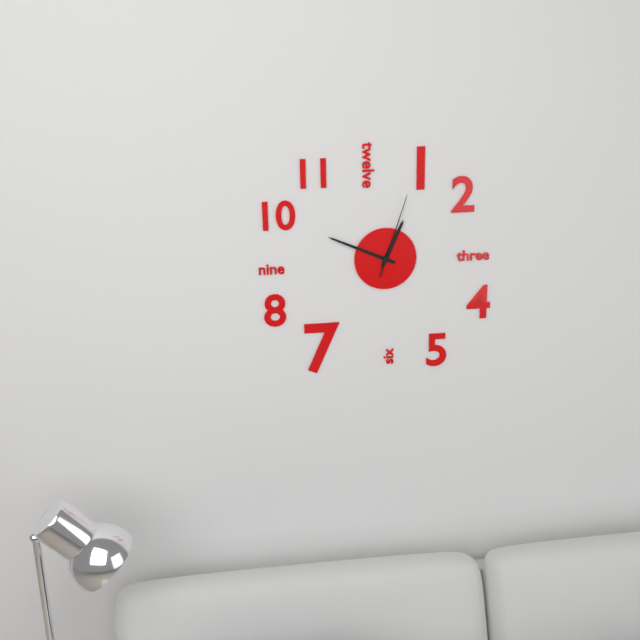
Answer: 12,49,03
